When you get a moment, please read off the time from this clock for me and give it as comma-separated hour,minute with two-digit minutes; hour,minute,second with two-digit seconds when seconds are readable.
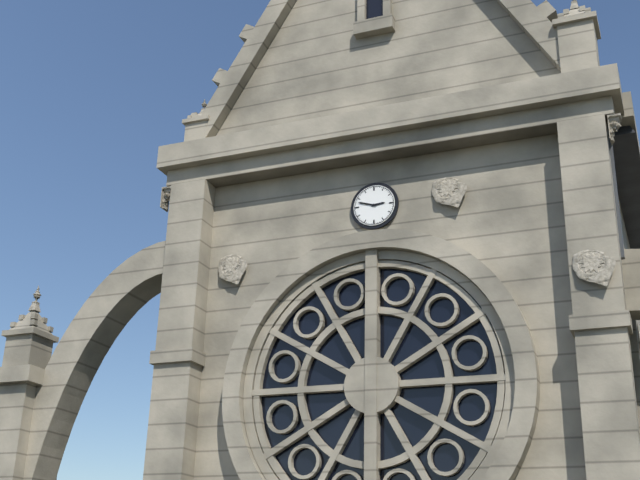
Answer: 2,48
